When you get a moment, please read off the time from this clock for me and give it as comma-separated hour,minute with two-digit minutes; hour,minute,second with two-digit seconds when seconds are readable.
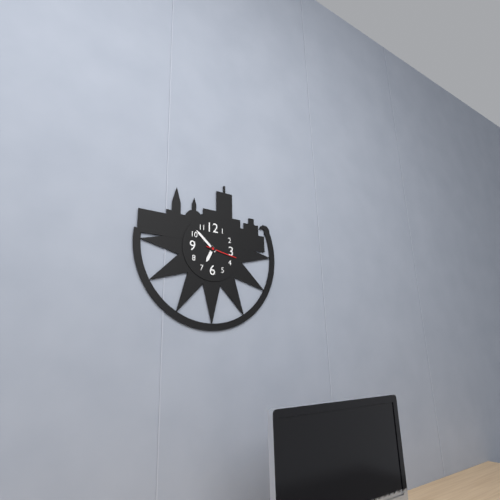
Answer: 6,52
